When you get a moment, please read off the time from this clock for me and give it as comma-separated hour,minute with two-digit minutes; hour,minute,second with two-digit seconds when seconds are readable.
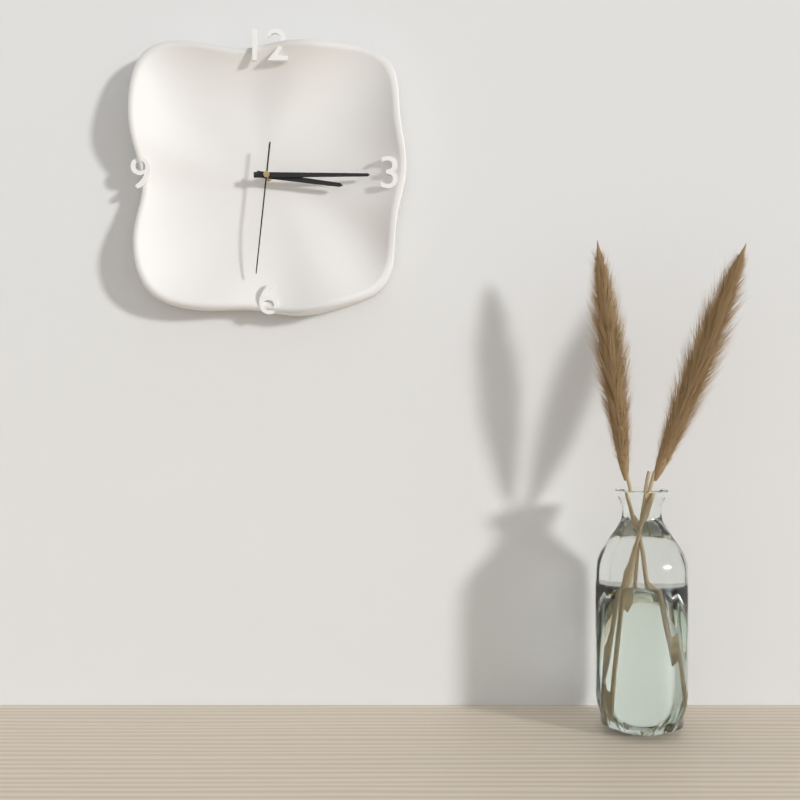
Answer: 3,15,31
